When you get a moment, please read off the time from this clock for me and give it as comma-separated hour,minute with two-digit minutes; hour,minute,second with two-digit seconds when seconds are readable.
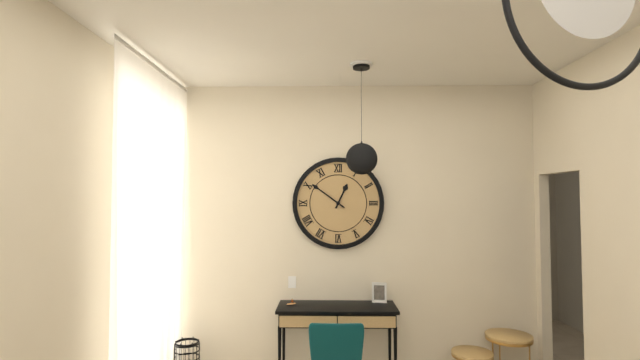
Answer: 12,51
